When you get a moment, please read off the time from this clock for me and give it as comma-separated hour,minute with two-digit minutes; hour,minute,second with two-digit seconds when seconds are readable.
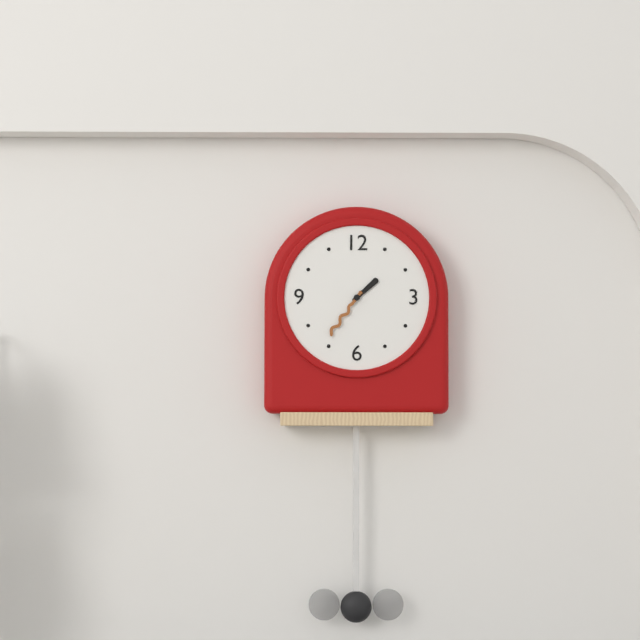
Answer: 1,36
